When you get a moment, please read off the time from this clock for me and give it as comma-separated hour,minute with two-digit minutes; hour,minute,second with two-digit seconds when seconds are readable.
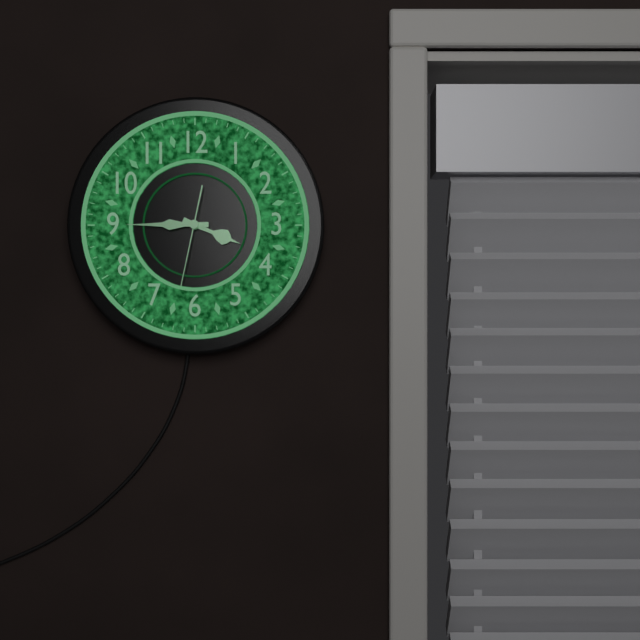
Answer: 3,45,32
